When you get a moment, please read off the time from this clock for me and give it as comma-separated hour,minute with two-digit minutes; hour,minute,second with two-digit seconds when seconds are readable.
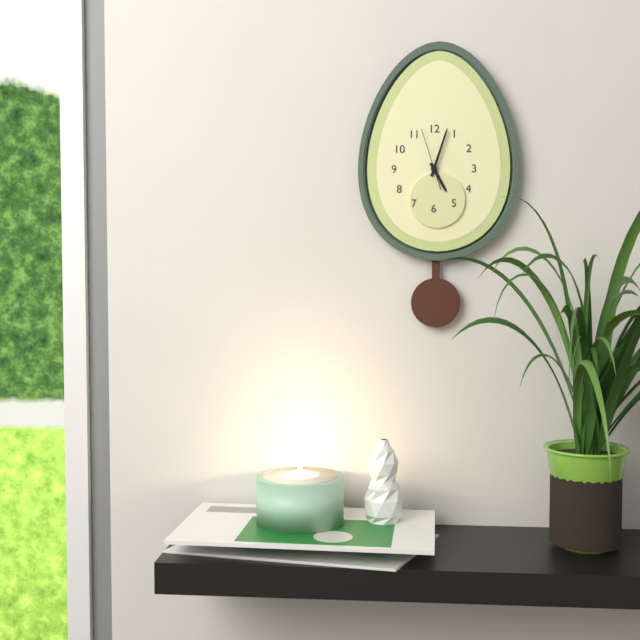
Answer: 5,03,57
